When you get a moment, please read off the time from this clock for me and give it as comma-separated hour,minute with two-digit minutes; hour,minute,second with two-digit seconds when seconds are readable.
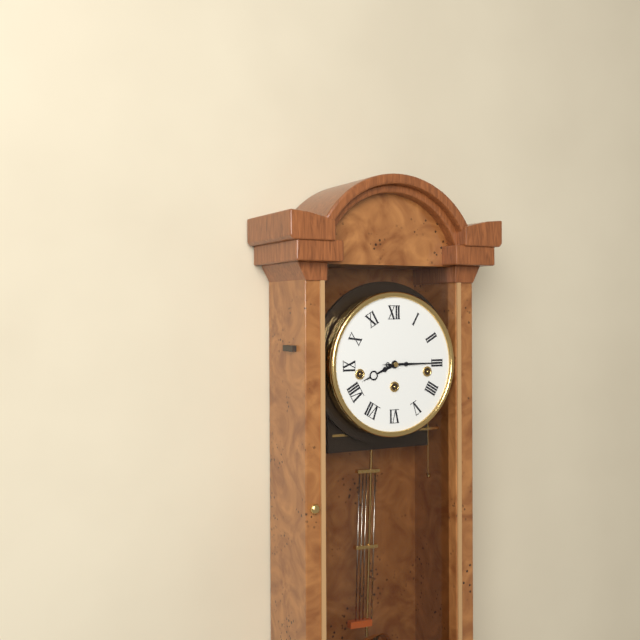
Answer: 8,15
